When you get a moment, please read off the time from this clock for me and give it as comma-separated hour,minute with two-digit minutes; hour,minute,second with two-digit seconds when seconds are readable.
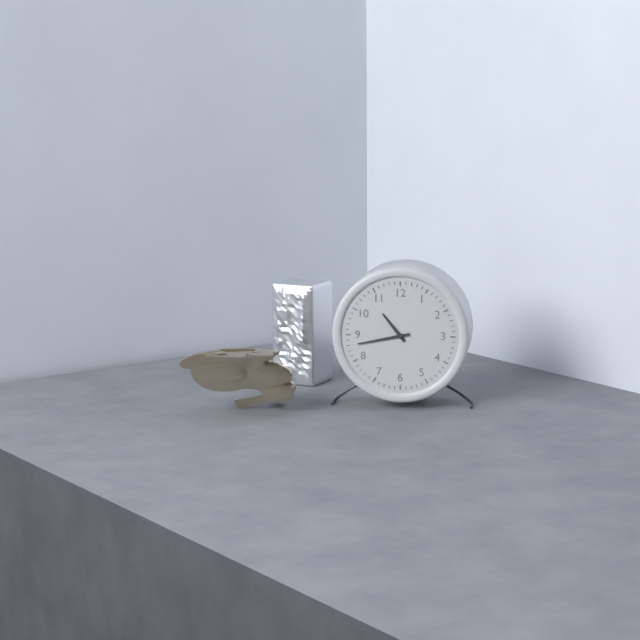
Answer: 10,43
